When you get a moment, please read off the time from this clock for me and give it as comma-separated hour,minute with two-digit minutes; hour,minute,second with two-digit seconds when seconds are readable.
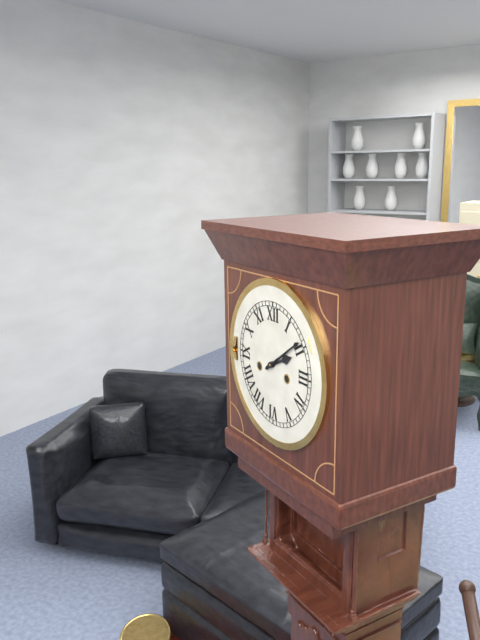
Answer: 2,09
